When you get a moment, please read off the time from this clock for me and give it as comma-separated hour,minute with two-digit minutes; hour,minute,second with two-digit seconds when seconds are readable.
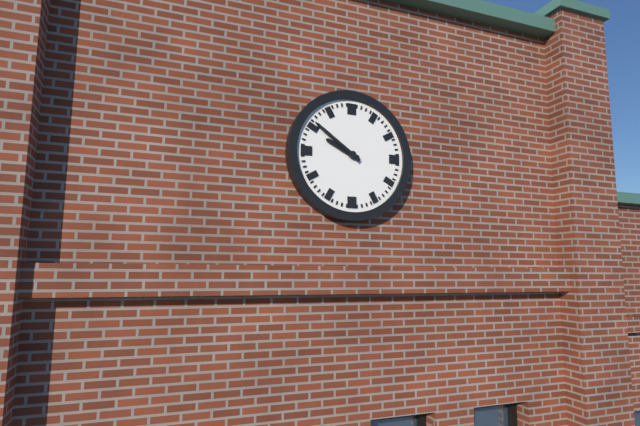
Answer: 9,51
